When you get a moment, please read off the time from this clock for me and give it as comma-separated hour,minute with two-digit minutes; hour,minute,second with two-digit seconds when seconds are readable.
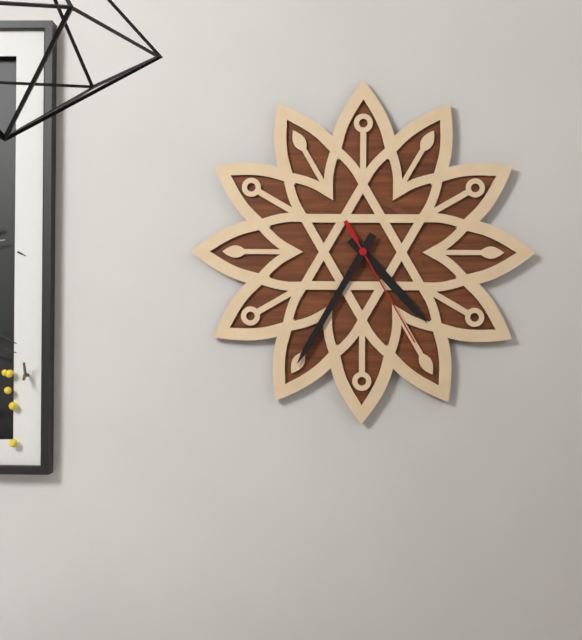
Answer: 4,35,25
